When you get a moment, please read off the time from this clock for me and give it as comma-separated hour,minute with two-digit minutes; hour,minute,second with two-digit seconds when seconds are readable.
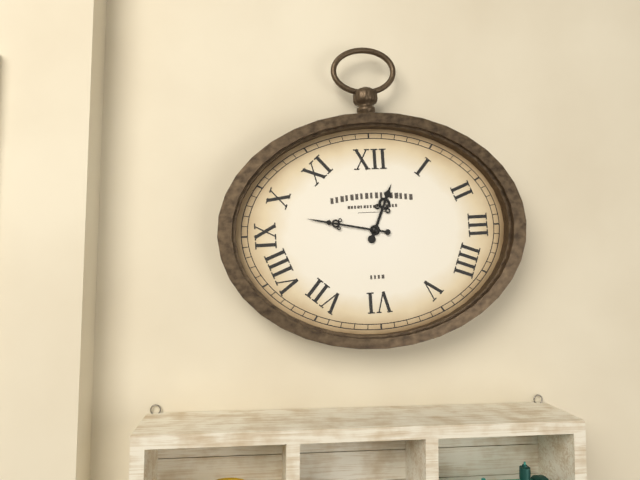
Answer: 12,47
